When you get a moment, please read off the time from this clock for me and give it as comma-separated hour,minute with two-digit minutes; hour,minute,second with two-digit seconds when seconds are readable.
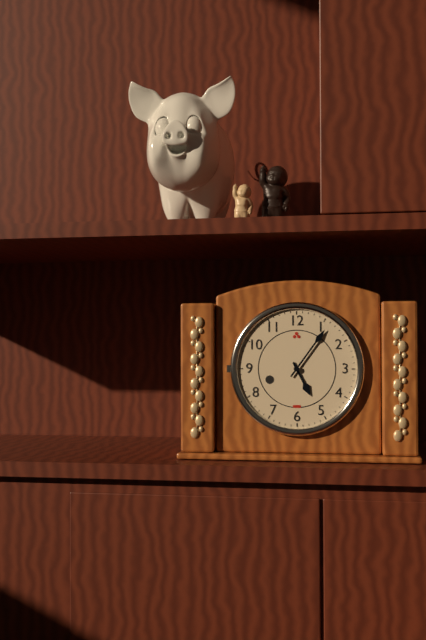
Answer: 5,06
